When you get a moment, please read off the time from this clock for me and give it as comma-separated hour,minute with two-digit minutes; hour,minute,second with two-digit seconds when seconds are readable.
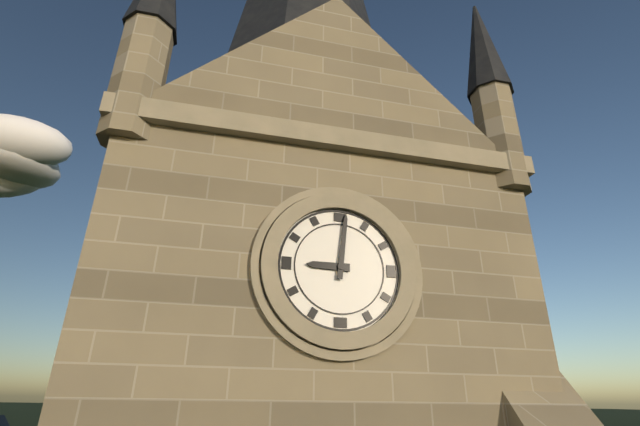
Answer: 9,01
